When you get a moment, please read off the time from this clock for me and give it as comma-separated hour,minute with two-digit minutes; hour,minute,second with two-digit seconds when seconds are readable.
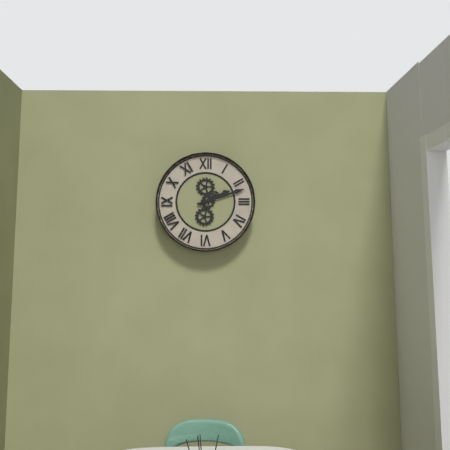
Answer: 2,12
